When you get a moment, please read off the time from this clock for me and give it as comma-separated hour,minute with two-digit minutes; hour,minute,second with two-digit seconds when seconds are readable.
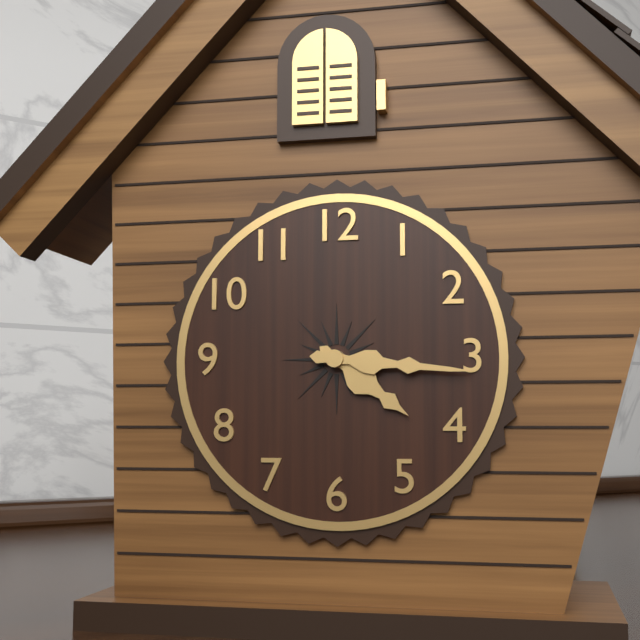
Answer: 4,16
